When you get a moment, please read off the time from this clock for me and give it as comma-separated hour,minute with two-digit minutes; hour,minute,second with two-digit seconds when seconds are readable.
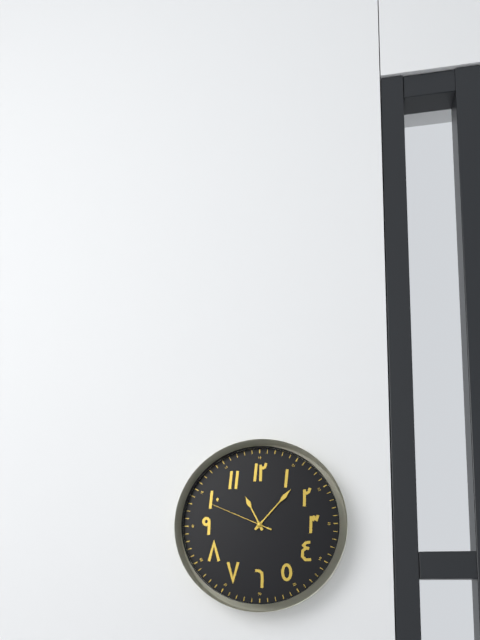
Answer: 11,07,49
